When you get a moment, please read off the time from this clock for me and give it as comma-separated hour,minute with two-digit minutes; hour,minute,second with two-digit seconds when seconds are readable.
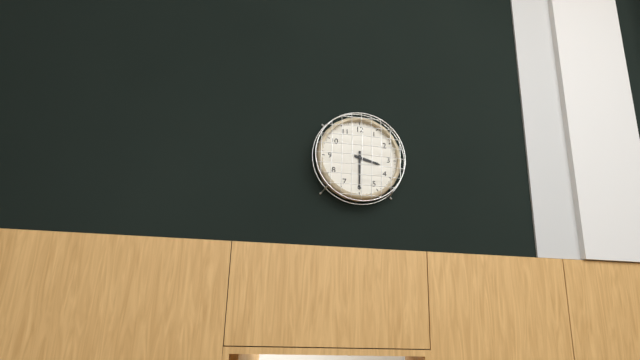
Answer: 3,30
